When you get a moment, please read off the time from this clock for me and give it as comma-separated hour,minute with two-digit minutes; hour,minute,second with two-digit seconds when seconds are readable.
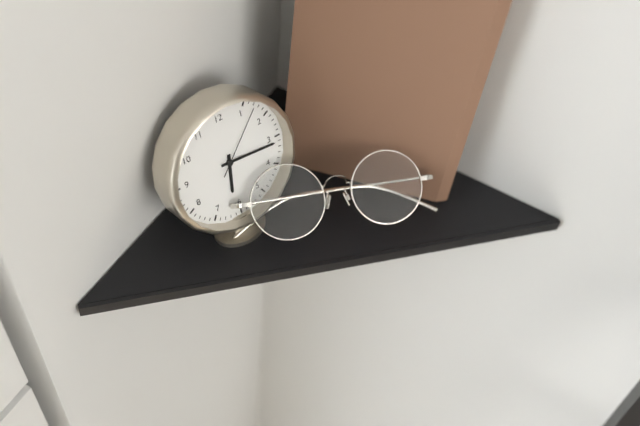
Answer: 6,16,07
